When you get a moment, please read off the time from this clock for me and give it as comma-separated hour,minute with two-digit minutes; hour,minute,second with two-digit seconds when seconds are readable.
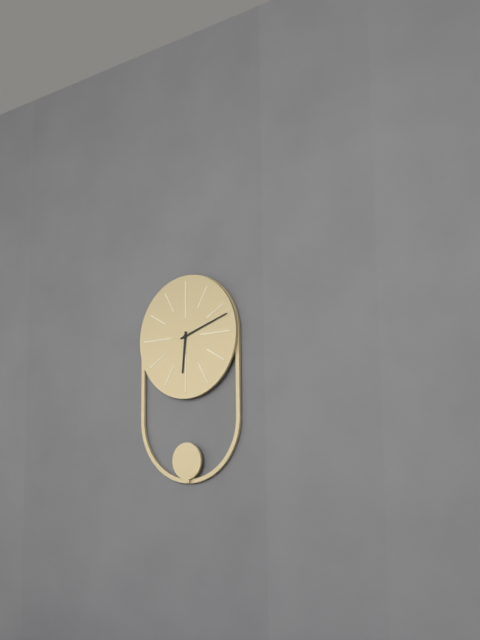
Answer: 6,12
